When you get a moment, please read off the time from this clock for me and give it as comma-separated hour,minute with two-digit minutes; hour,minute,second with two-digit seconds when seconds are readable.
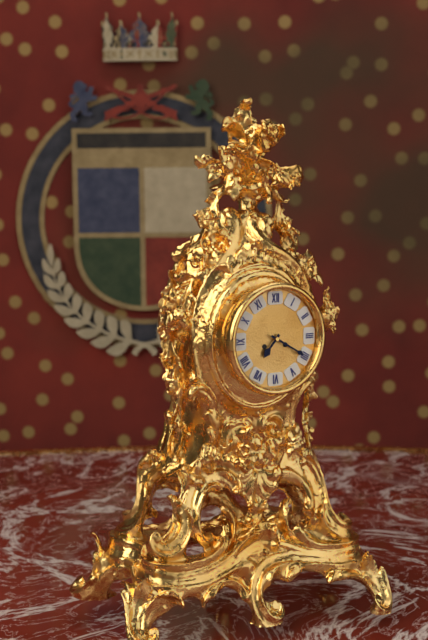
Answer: 7,20
